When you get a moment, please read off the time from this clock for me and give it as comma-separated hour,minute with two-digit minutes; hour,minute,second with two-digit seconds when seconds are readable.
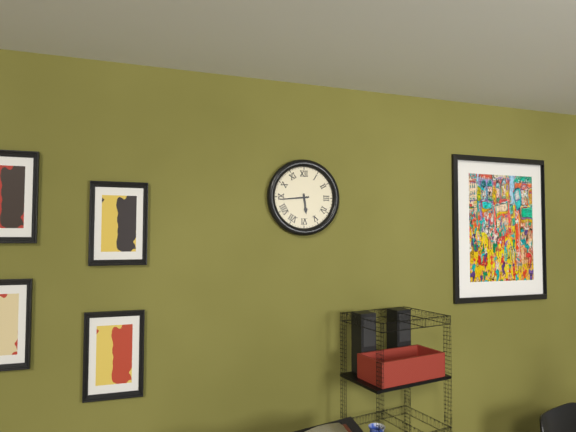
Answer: 5,44
